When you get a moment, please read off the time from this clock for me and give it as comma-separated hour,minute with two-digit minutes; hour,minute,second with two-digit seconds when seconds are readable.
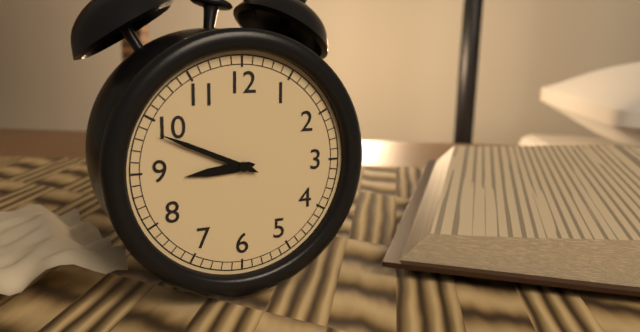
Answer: 8,49
